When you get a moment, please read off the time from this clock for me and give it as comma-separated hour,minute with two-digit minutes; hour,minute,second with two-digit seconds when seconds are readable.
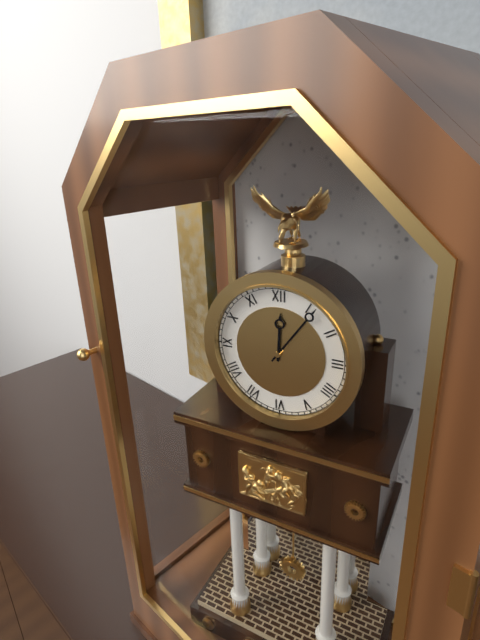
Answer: 12,06
